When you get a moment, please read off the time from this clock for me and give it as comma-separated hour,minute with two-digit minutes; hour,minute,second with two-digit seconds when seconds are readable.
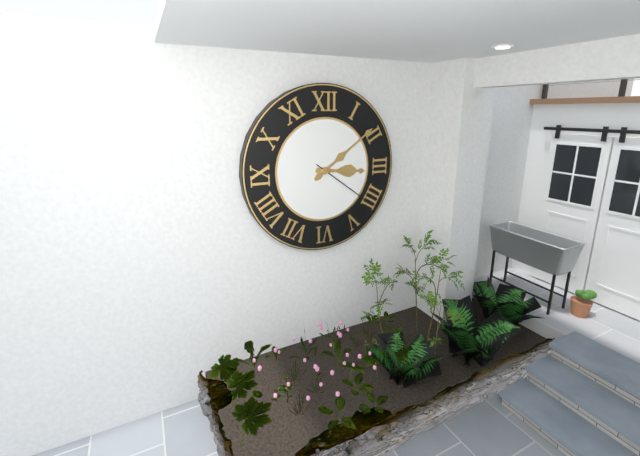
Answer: 3,09,21
